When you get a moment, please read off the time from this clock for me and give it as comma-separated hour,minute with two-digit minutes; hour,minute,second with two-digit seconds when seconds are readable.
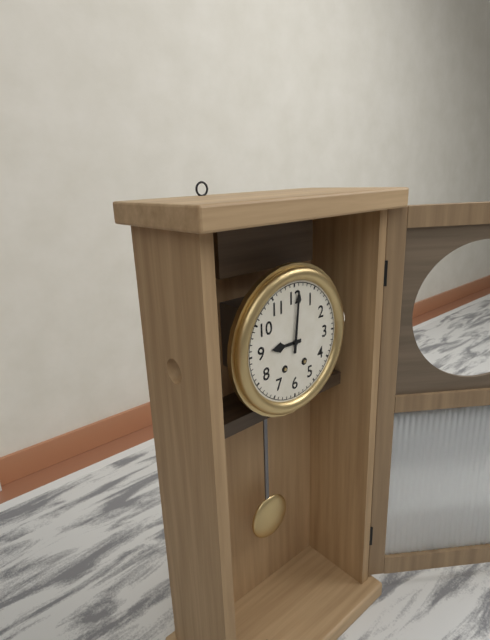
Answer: 9,01
